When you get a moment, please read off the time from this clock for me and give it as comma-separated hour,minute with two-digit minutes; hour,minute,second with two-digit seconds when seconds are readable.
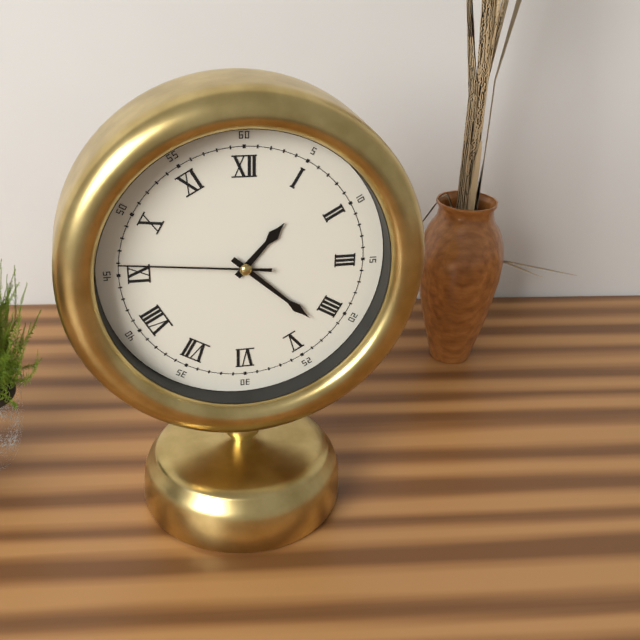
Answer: 1,22,46
